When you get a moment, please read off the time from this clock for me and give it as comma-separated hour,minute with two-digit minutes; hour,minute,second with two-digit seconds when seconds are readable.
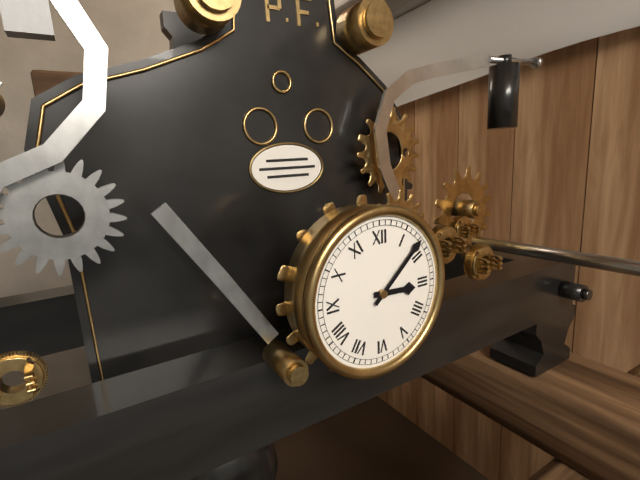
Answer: 3,08
